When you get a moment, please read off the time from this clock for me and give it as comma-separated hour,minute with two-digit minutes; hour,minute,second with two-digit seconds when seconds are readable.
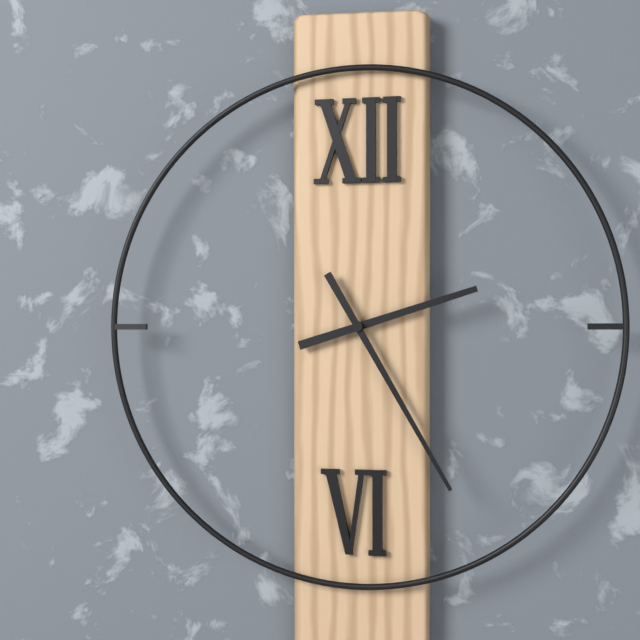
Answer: 2,25
